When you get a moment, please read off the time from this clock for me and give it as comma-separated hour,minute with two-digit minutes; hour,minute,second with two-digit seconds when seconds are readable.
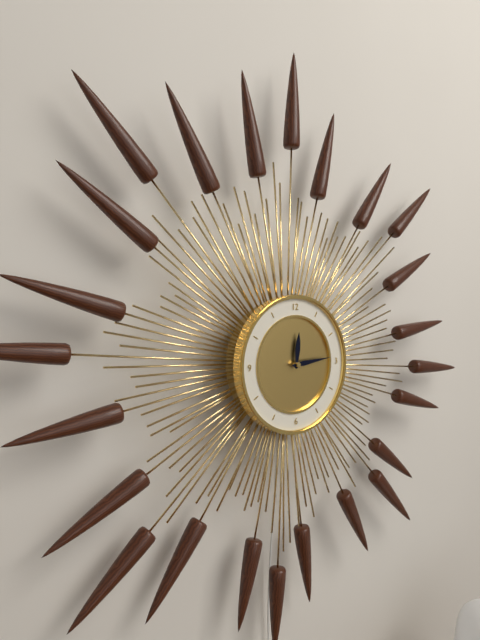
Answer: 12,14
